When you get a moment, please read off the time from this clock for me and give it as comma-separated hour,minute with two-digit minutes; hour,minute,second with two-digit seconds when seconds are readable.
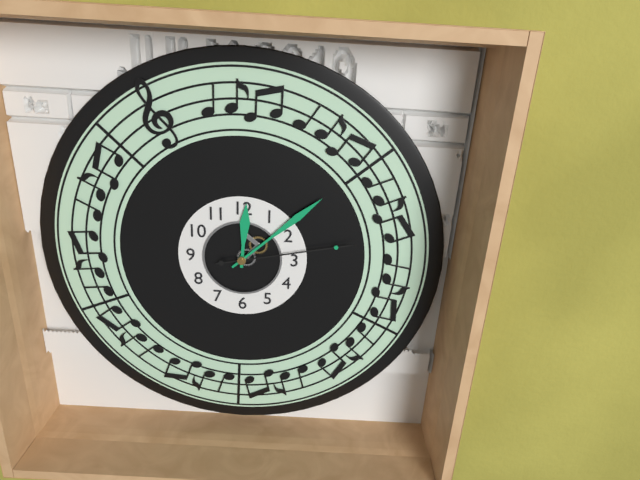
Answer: 12,08,13
